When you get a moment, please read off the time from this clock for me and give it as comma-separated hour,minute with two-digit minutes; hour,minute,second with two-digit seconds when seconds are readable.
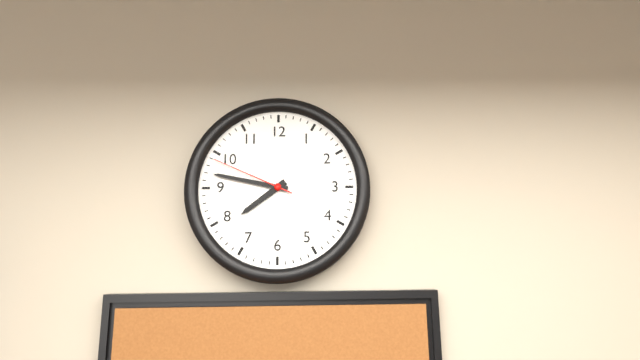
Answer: 7,47,49
